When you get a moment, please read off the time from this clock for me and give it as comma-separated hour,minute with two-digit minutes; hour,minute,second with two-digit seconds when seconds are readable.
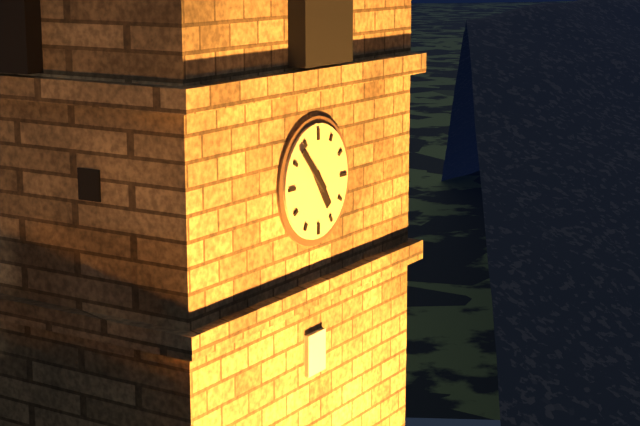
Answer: 4,53
